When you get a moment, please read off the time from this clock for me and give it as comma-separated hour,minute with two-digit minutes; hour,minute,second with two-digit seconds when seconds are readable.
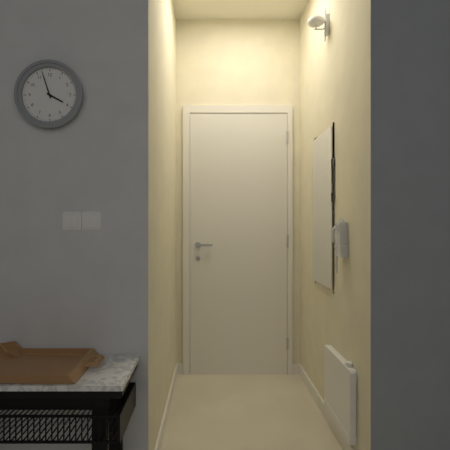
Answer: 3,57
